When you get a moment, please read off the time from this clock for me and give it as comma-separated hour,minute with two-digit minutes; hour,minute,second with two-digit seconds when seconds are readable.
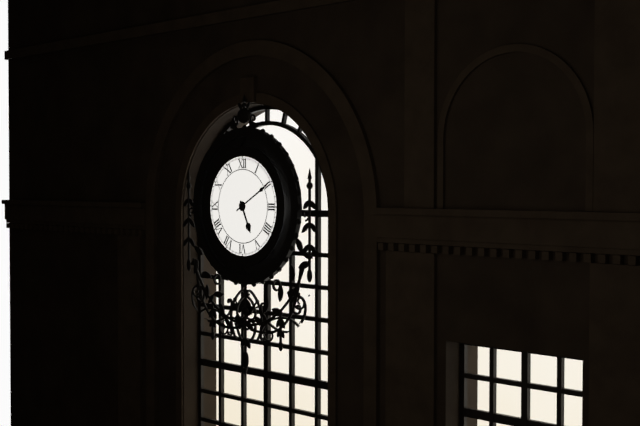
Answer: 5,10
